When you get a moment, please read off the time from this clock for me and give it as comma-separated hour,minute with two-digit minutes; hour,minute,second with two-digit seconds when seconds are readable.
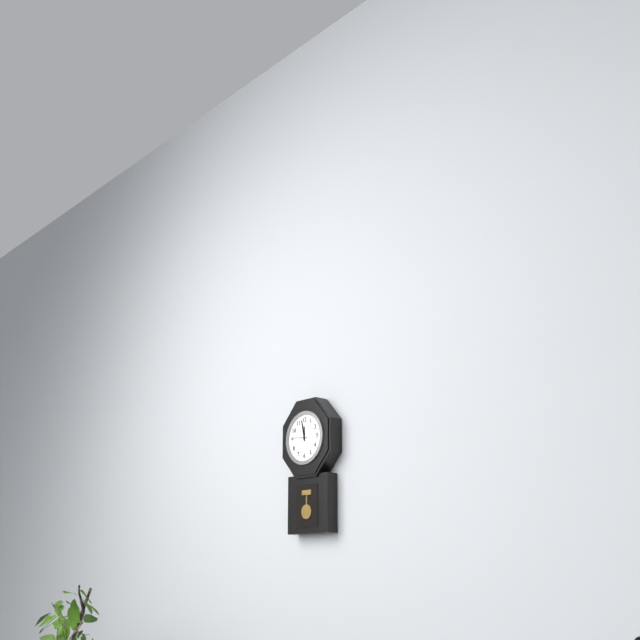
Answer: 11,58
